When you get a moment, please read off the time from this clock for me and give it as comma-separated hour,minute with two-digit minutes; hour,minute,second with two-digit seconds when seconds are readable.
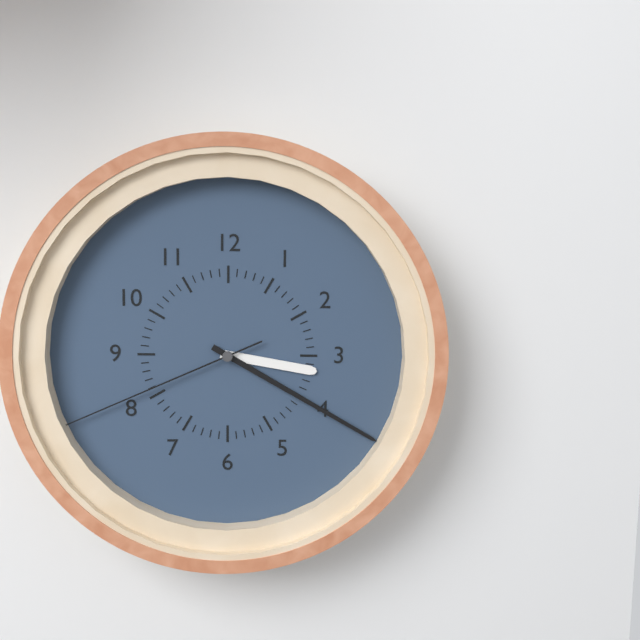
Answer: 3,20,41
